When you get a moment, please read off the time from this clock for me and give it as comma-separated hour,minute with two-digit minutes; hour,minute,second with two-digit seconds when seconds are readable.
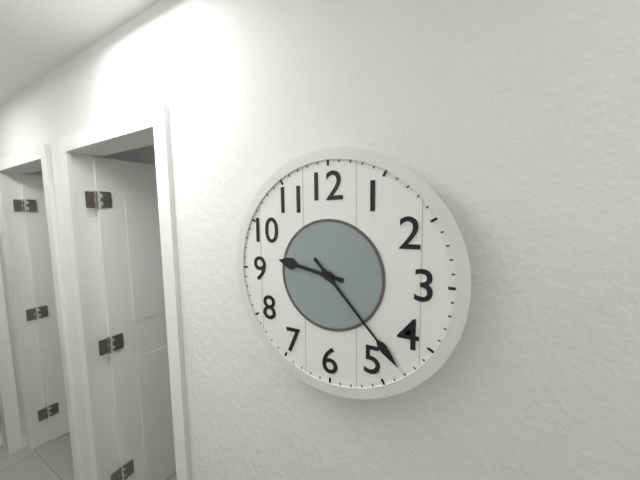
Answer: 9,23
